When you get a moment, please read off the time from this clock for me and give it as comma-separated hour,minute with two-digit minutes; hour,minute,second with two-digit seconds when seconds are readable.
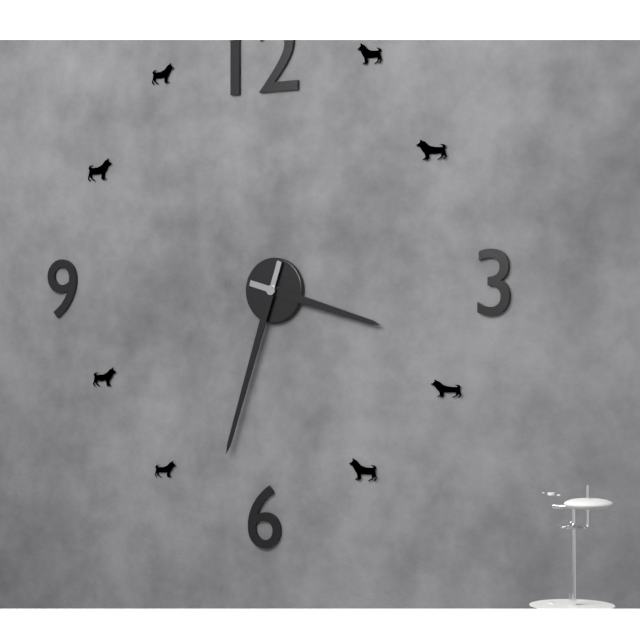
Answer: 3,33
